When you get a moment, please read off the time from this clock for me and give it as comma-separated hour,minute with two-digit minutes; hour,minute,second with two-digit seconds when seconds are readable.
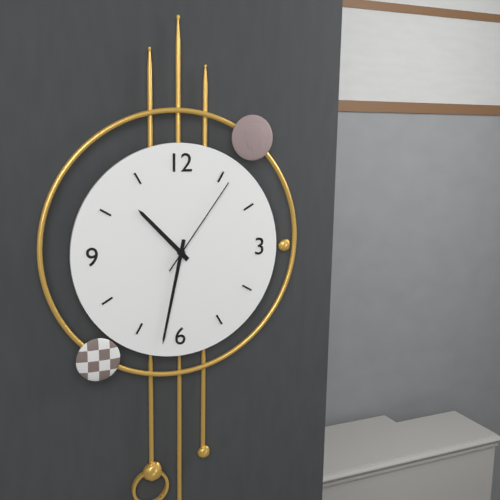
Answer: 10,32,06
